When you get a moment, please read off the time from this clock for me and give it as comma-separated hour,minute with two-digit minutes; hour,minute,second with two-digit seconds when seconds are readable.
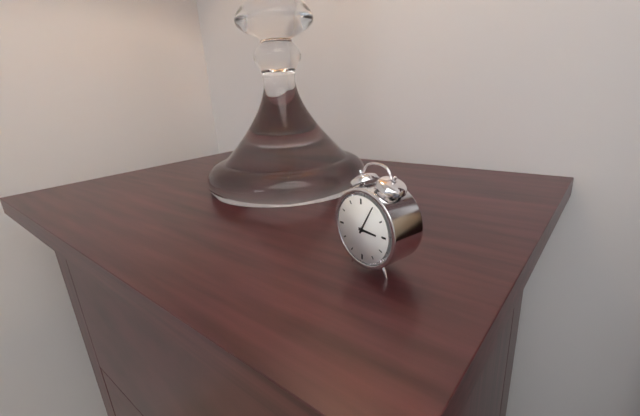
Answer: 3,05
